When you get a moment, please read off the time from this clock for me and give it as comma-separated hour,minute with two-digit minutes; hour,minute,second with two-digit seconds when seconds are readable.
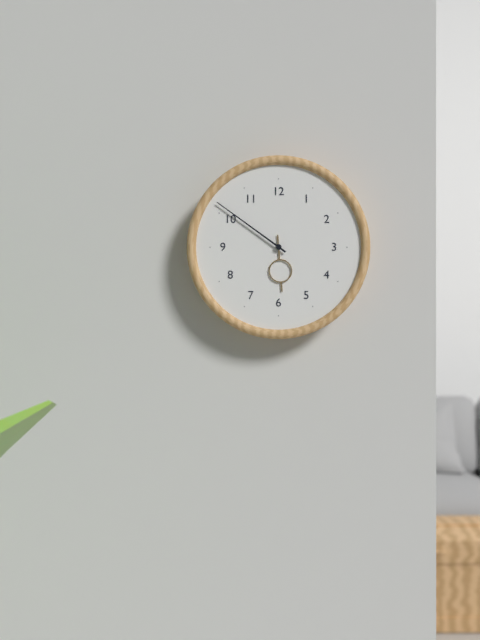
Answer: 5,51
